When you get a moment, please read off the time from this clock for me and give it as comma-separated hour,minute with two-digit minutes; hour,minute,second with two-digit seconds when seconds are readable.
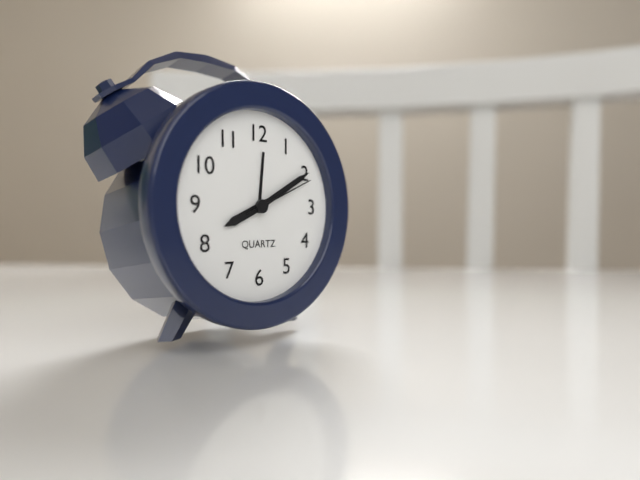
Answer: 8,10,11
